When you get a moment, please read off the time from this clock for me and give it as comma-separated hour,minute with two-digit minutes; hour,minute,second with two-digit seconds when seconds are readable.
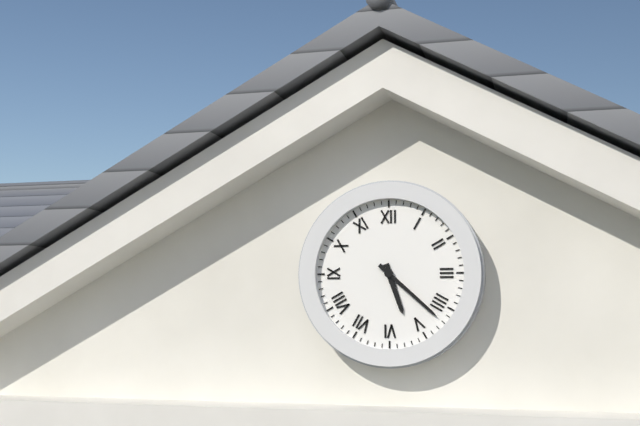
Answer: 5,22
